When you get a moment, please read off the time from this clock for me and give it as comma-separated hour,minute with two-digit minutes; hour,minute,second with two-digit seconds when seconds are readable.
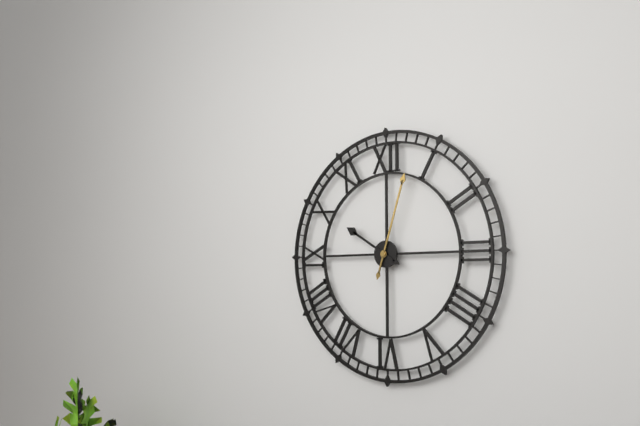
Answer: 10,03
